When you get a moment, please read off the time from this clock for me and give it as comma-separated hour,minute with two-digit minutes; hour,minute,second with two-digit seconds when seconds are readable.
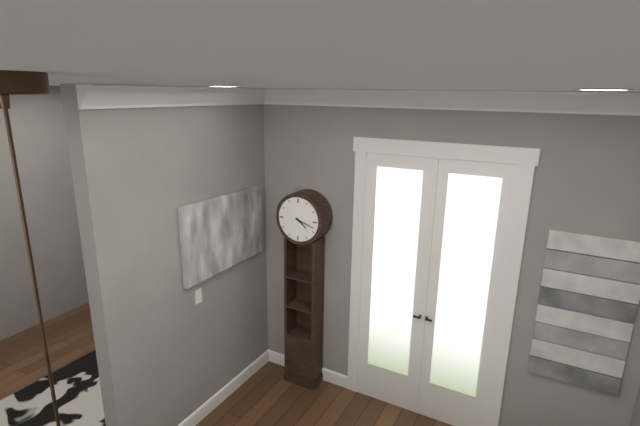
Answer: 4,18
